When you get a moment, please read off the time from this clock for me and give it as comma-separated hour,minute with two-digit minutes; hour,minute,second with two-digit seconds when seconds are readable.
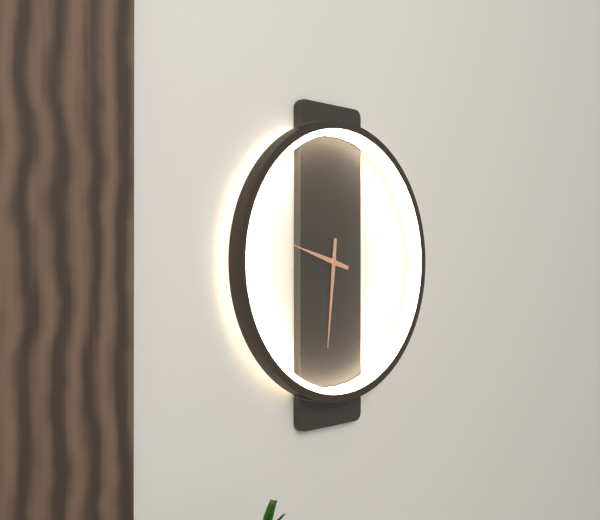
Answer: 9,31
